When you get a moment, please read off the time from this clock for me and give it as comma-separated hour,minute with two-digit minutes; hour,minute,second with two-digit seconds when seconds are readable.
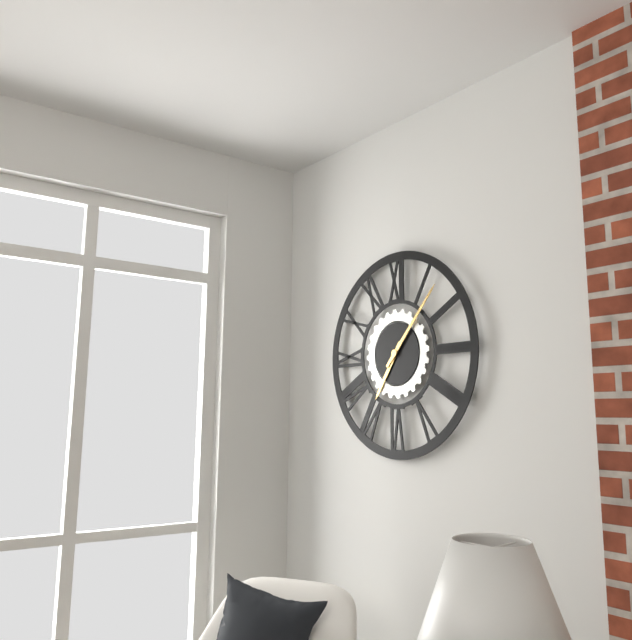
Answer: 7,07
